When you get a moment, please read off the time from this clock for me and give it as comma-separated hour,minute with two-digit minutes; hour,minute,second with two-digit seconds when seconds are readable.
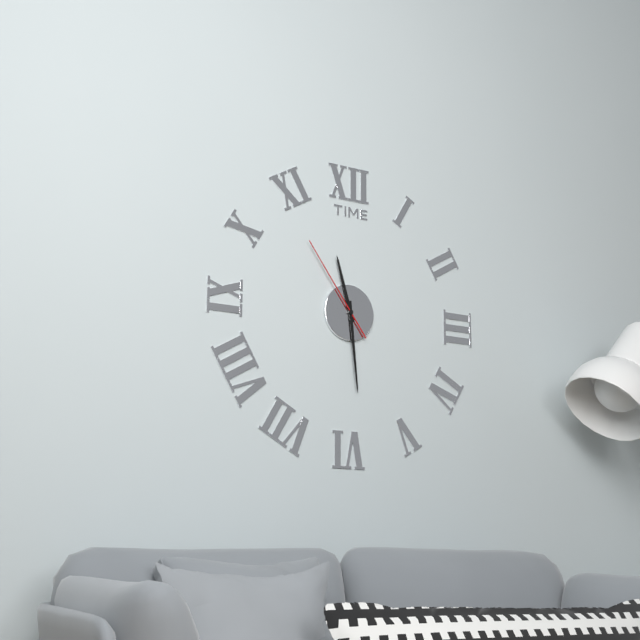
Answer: 11,29,54
